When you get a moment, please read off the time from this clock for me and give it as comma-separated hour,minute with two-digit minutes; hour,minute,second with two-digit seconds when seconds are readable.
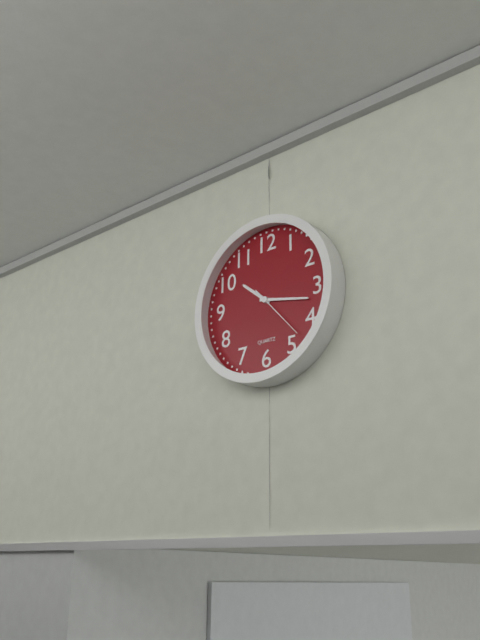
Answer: 10,17,23
